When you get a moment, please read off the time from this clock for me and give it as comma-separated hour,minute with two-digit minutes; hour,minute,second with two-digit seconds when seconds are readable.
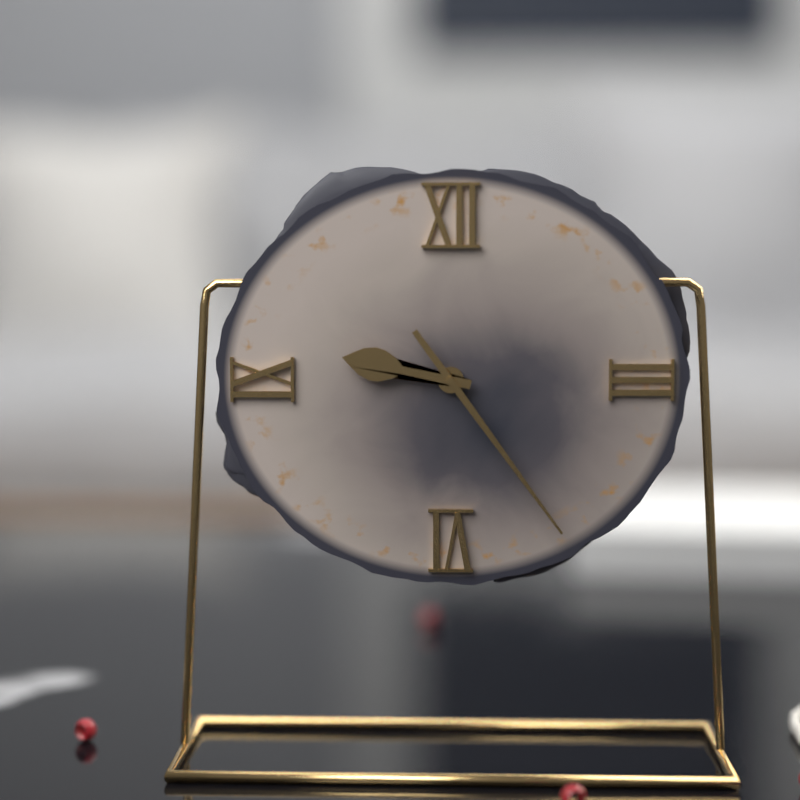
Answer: 9,24
